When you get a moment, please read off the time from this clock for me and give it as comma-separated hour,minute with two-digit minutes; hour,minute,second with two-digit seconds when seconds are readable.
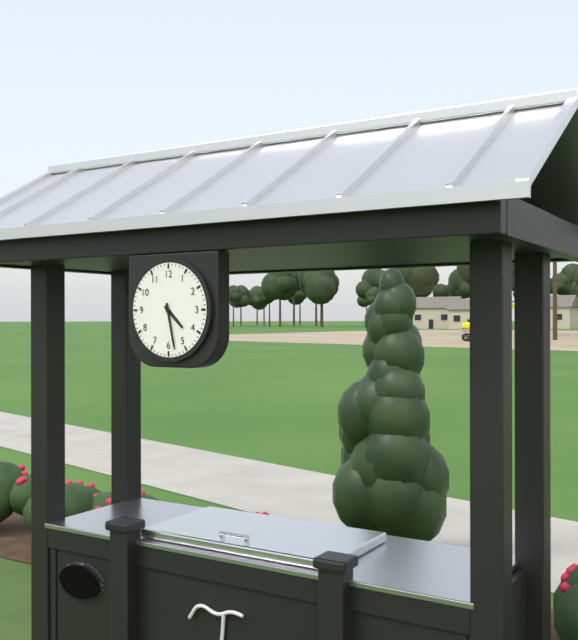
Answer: 4,28
